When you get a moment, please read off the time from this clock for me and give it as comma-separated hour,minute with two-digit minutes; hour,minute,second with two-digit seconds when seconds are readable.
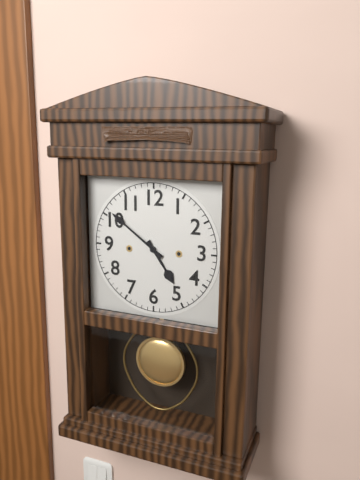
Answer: 4,51
